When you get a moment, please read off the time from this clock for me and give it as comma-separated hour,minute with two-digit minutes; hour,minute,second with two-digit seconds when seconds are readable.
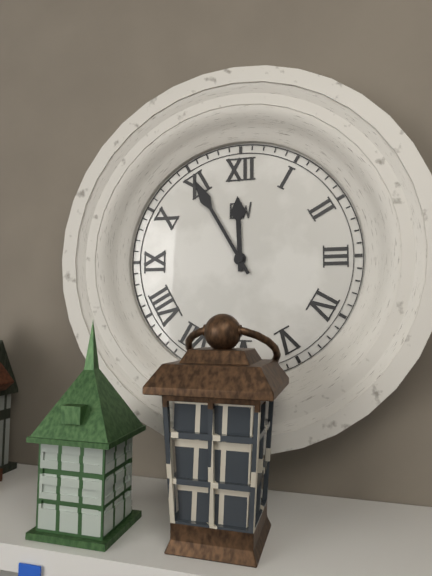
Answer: 11,55
